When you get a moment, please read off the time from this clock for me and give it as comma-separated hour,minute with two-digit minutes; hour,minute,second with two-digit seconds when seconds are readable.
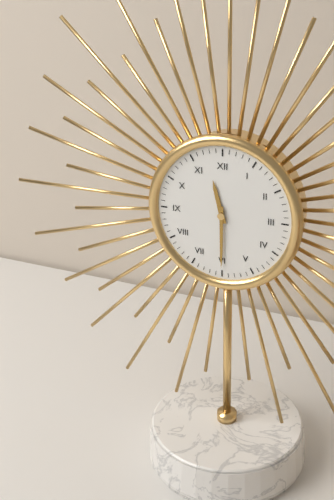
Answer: 11,30
